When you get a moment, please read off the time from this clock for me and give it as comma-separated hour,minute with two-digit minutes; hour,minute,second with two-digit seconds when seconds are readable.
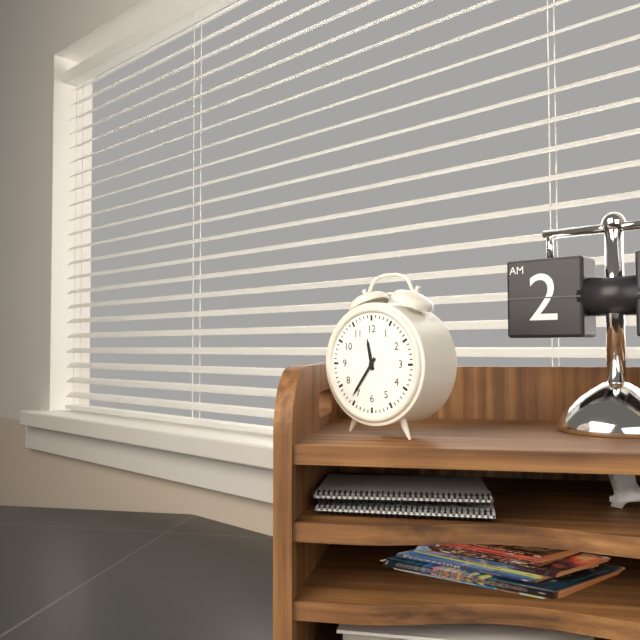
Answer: 11,36
